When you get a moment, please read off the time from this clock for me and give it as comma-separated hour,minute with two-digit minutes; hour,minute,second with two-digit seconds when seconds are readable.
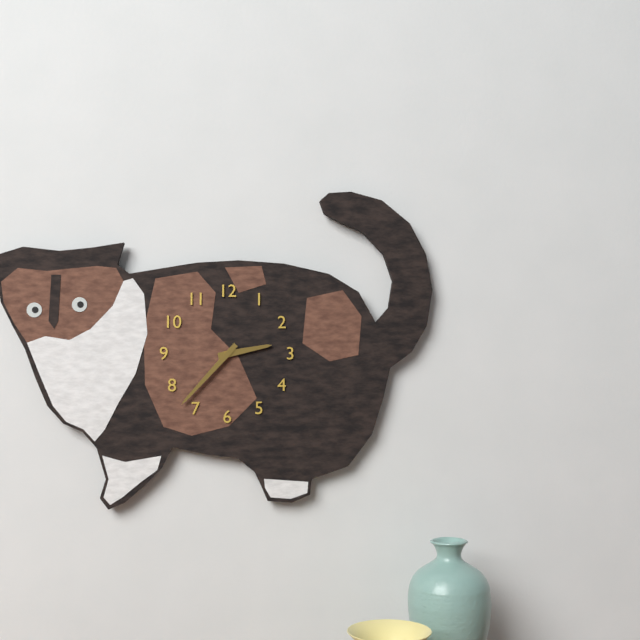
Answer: 2,37
